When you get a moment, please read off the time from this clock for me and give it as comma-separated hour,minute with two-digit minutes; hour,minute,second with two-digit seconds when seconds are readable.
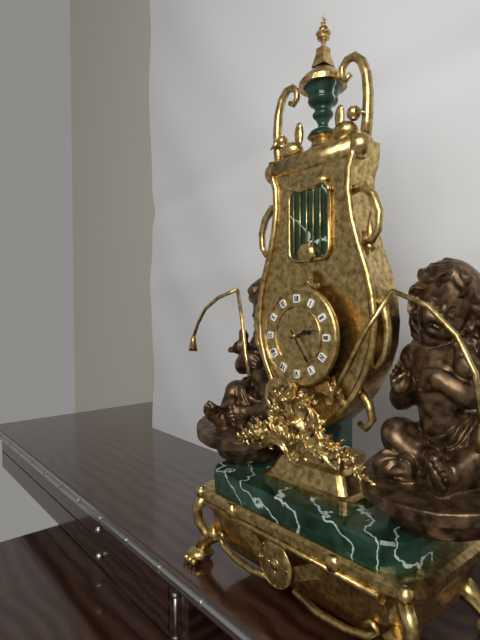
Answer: 2,24
